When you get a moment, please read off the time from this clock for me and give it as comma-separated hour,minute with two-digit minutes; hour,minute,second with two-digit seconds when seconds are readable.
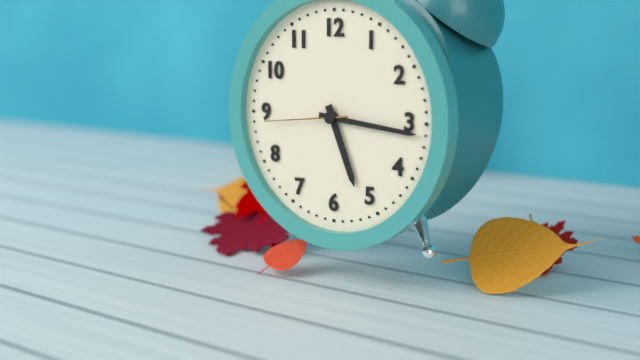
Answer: 5,16,44
